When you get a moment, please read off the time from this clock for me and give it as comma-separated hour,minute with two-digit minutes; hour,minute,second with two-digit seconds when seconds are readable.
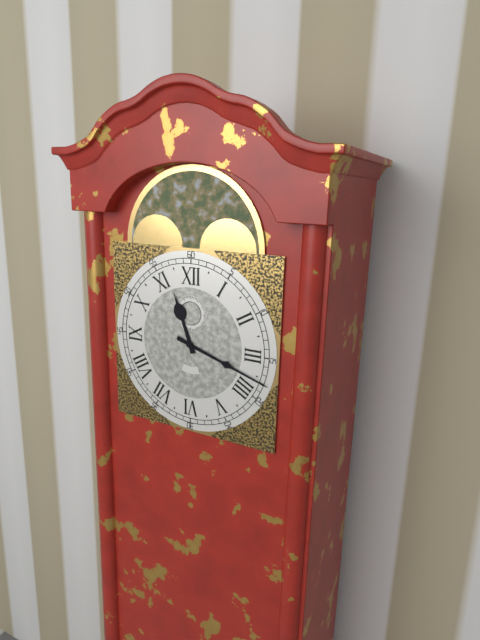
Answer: 11,18
